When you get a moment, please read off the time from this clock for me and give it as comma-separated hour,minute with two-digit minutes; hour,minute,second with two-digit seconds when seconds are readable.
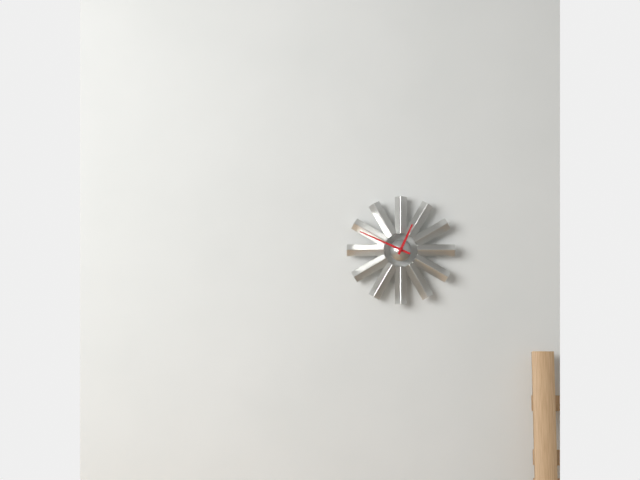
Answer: 12,49
